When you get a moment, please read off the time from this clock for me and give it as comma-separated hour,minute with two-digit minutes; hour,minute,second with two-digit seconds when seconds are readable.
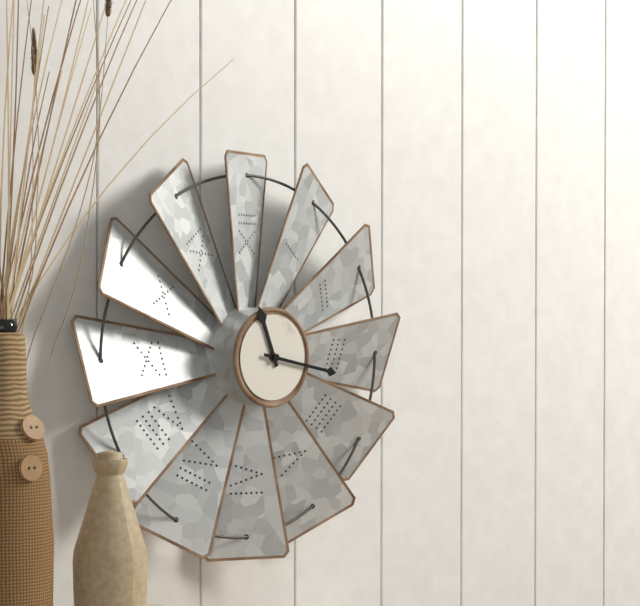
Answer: 11,17
